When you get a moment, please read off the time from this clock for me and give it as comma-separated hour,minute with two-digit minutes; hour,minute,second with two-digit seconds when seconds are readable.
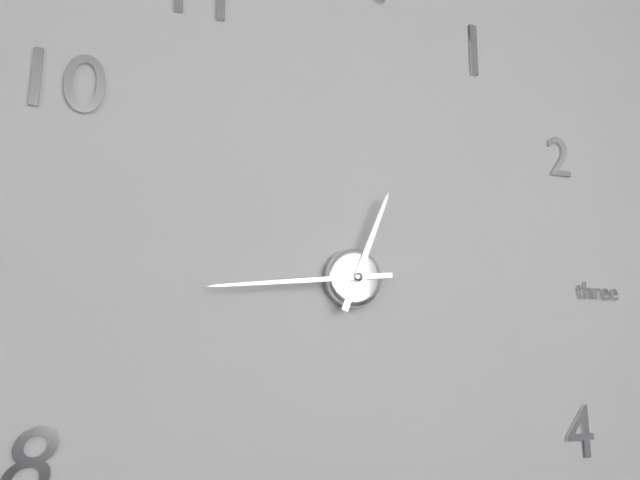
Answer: 12,44
